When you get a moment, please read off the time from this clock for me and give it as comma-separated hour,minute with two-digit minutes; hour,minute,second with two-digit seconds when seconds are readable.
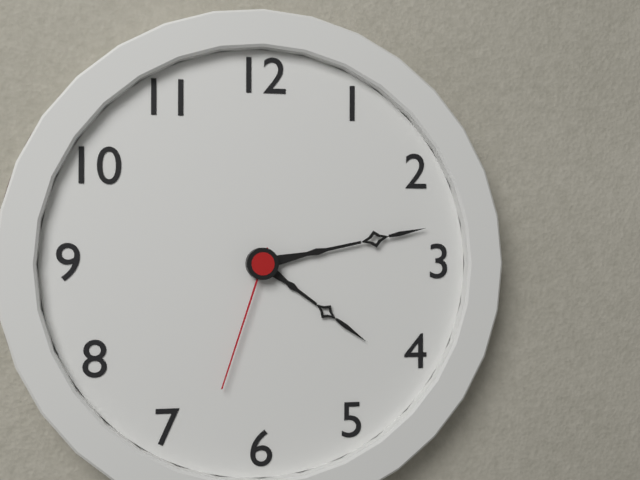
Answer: 4,13,33
